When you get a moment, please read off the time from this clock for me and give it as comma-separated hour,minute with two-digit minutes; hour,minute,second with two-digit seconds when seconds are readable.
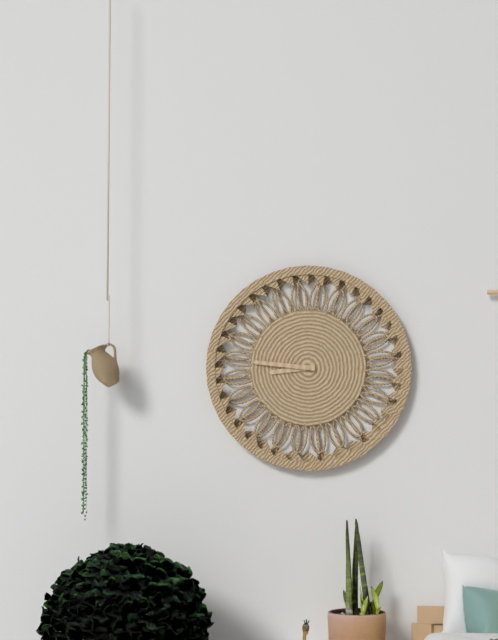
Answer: 8,46
